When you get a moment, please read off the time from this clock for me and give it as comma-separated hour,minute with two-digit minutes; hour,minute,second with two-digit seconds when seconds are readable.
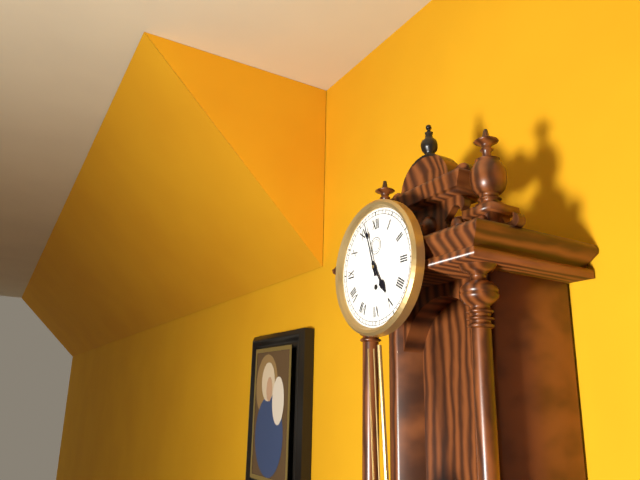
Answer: 4,57
